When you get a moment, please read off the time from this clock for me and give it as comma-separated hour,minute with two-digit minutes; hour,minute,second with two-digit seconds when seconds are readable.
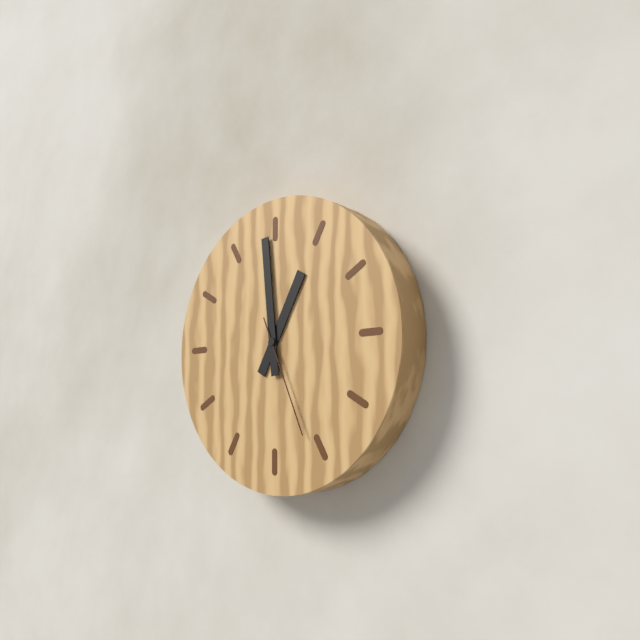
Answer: 12,59,26
